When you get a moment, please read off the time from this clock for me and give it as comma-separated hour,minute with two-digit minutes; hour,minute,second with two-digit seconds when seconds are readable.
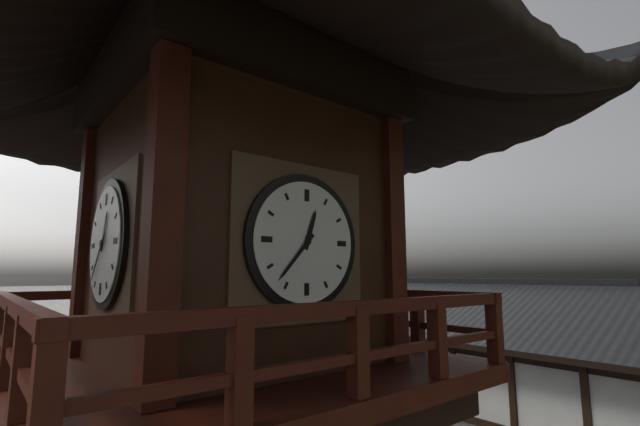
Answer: 12,37
